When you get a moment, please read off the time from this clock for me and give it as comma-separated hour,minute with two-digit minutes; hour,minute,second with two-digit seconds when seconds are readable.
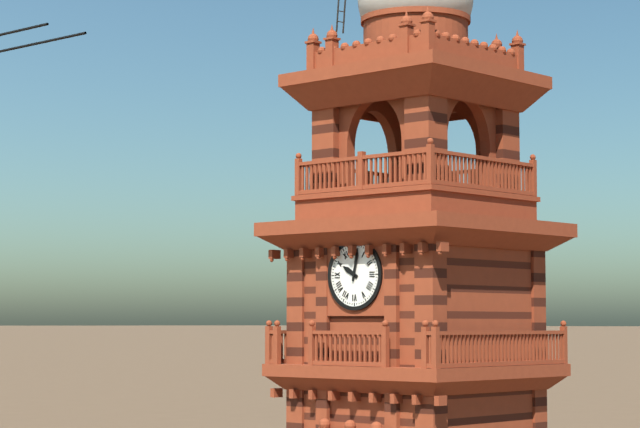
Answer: 10,02
